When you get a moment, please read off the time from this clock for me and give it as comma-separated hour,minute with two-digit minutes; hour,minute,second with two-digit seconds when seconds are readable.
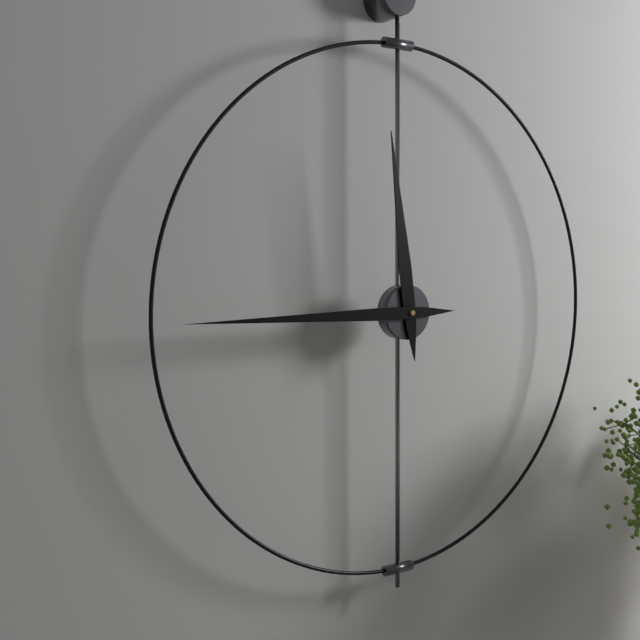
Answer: 11,45
